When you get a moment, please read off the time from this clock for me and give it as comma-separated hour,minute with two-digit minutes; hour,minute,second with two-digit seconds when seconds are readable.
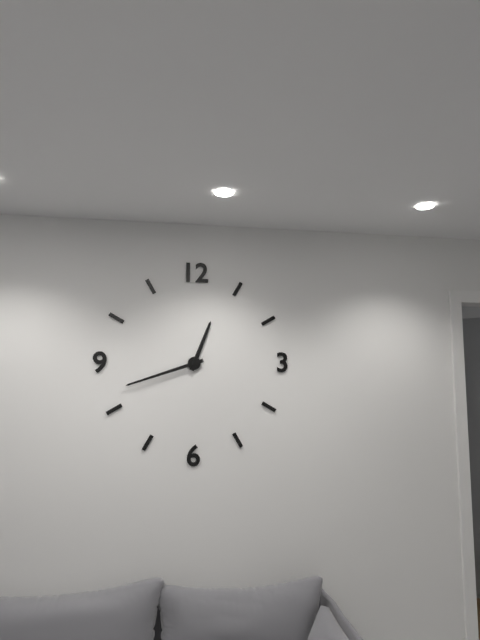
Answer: 12,42
